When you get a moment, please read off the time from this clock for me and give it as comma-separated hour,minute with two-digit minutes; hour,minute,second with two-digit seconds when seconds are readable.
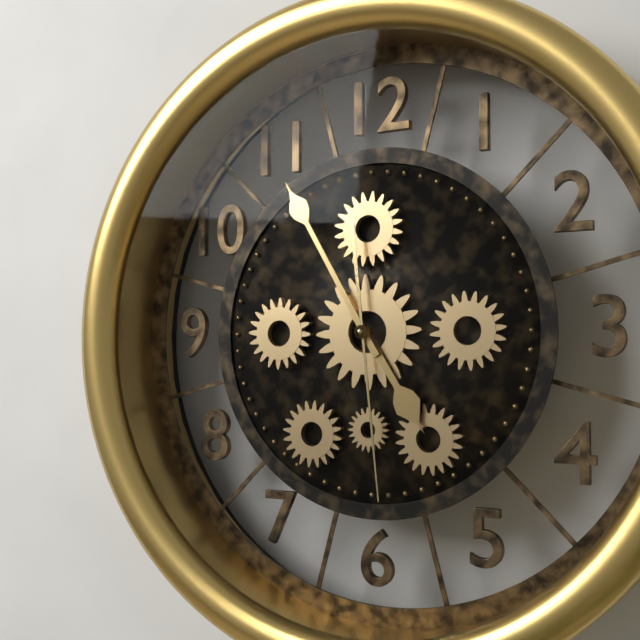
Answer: 4,55,29
